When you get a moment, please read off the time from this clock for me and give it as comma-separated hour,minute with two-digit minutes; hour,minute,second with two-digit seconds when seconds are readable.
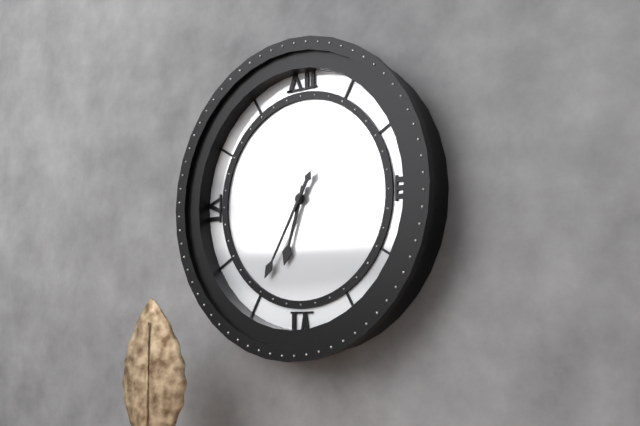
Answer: 6,35
